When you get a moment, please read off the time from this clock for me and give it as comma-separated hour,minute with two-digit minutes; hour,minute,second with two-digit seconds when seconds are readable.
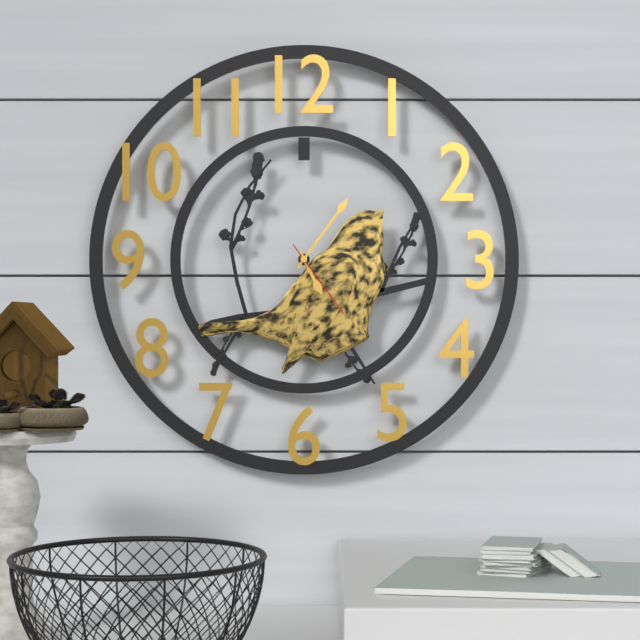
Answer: 5,06,24
